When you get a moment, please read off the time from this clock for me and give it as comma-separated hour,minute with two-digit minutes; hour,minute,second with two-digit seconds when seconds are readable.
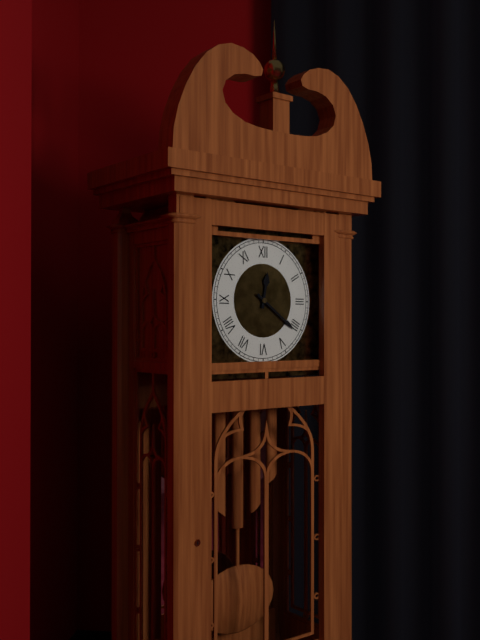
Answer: 12,21
